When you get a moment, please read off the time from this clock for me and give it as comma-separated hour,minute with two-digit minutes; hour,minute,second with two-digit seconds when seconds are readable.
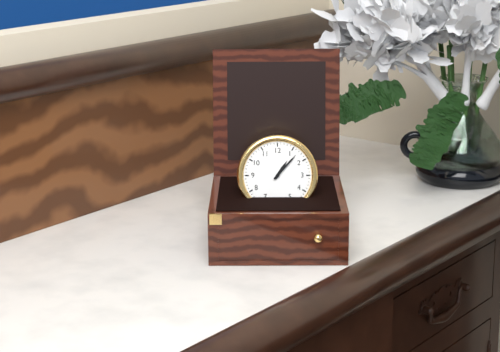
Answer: 1,07
